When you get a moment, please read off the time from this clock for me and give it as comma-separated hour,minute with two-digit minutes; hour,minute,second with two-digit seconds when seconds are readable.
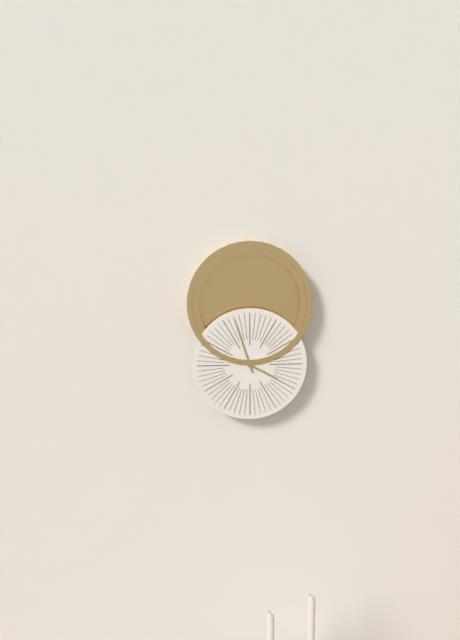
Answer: 3,57
